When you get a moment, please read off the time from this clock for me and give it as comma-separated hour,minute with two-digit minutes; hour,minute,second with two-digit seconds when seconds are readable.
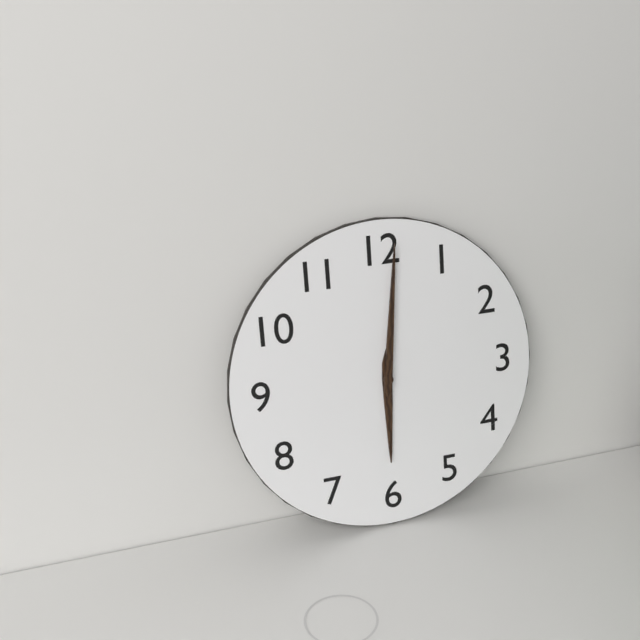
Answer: 6,01
